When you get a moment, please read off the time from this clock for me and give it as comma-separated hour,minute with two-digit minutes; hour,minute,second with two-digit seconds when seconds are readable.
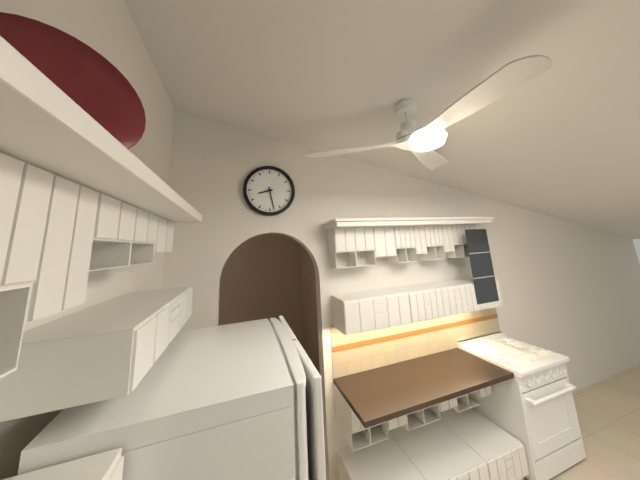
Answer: 8,28
